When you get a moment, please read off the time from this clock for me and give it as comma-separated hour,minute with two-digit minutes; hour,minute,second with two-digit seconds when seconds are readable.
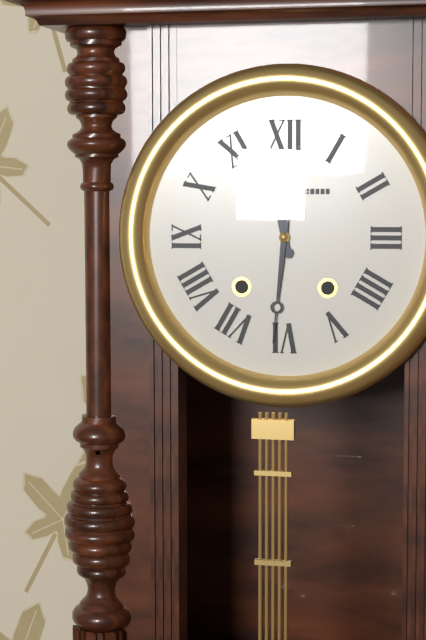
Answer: 11,31
